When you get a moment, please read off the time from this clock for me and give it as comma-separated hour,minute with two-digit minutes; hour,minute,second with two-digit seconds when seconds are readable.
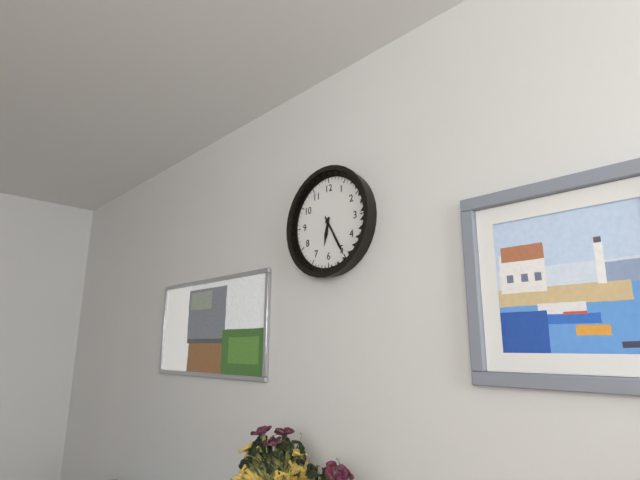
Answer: 6,25
